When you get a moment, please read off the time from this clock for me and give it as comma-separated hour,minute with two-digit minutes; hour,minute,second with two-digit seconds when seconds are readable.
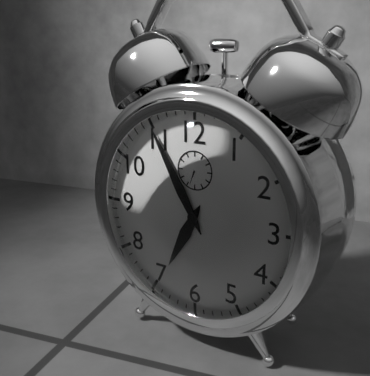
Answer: 6,55
